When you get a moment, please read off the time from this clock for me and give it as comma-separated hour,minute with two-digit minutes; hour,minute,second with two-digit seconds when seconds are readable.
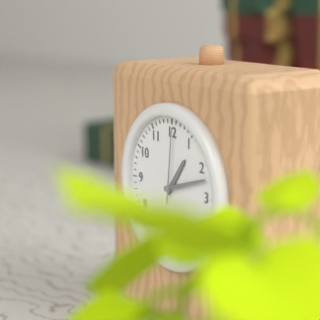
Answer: 1,12,01
